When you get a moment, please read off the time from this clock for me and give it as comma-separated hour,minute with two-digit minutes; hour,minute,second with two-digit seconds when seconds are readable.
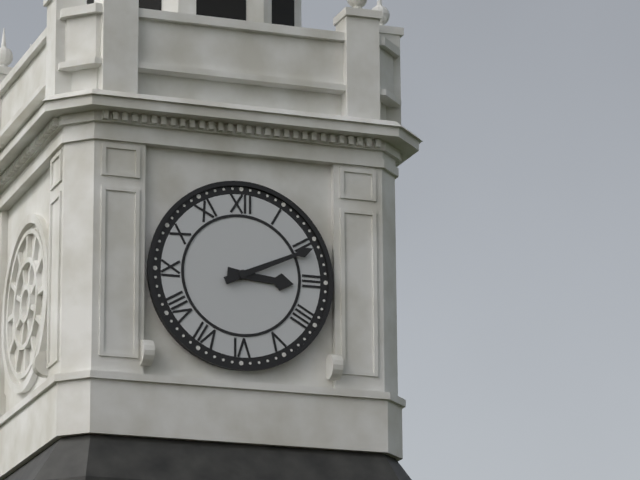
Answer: 3,11
